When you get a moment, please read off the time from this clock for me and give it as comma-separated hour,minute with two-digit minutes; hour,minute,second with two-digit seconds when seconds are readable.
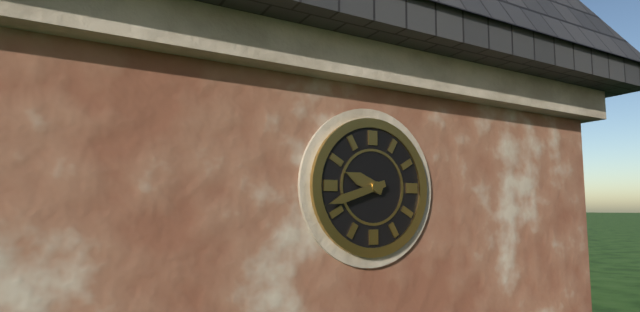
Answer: 9,42
